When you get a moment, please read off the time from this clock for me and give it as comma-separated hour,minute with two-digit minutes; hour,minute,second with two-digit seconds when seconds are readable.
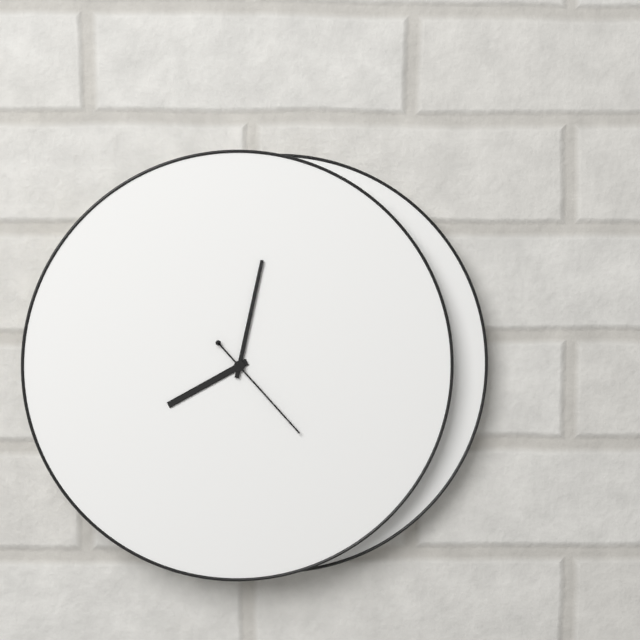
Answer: 8,02,23
